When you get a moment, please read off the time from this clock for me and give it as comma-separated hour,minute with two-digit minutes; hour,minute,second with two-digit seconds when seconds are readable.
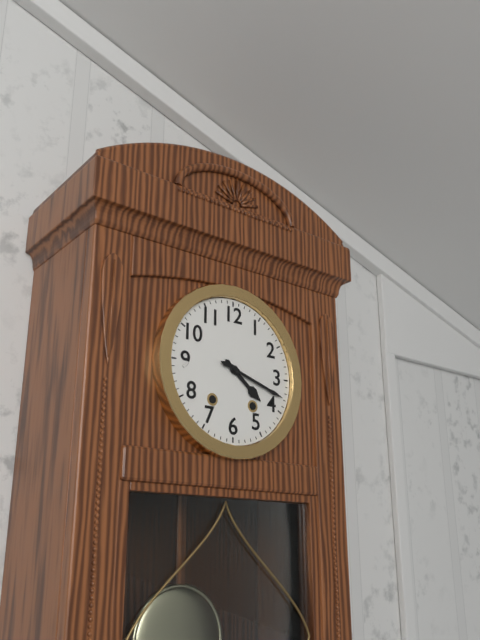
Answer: 4,18
